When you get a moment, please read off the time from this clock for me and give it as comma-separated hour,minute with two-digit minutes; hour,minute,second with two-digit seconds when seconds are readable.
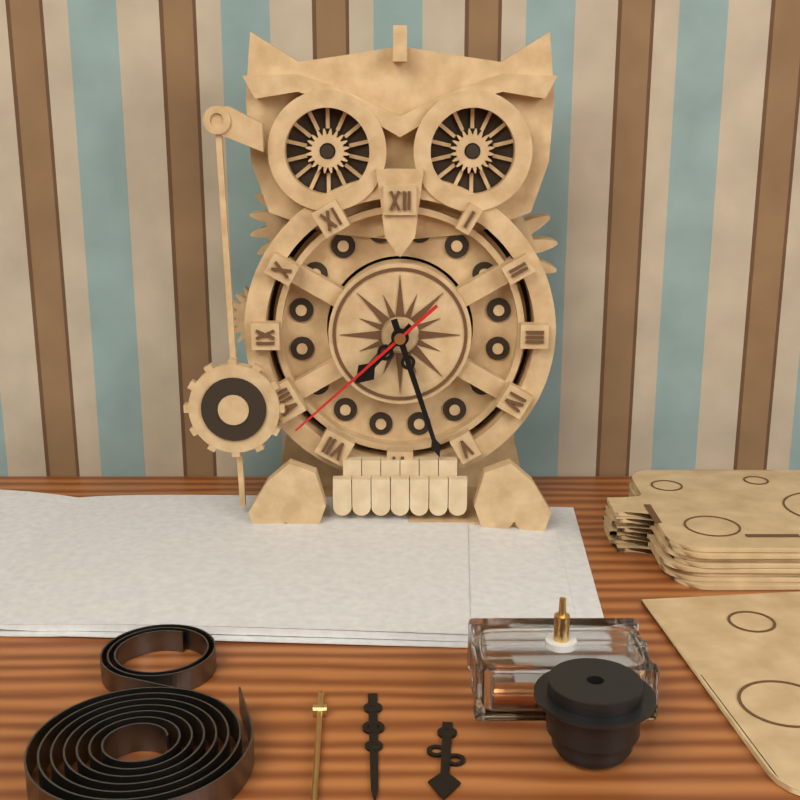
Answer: 7,27,38
